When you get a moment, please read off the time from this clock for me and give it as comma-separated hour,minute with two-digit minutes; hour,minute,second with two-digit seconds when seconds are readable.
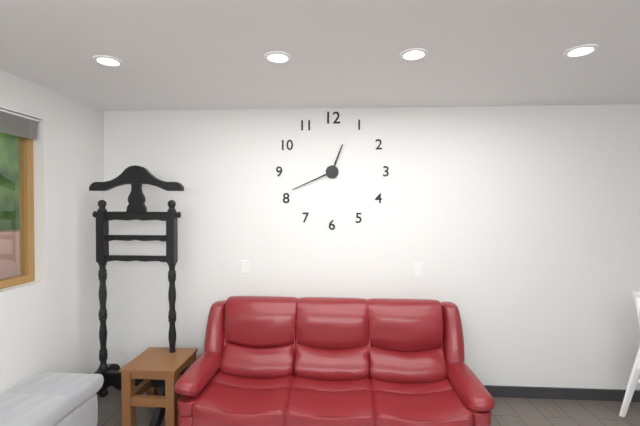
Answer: 12,41
